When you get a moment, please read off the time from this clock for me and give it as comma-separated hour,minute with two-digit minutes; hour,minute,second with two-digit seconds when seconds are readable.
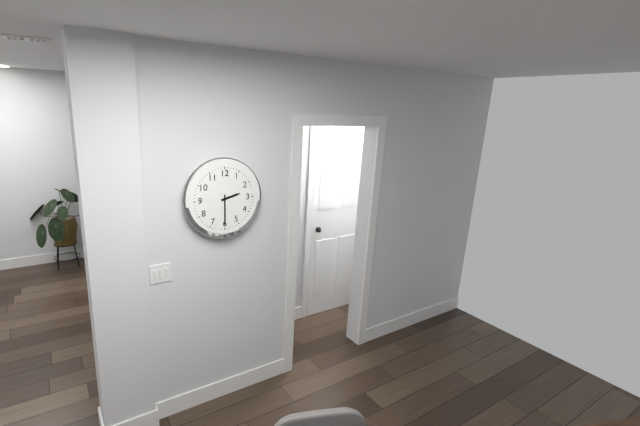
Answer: 2,30
